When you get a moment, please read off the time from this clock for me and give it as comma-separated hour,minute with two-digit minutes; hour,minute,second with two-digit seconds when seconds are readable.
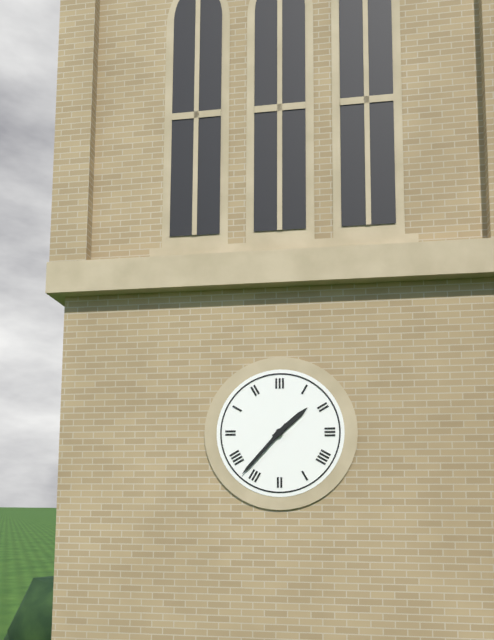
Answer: 1,37
